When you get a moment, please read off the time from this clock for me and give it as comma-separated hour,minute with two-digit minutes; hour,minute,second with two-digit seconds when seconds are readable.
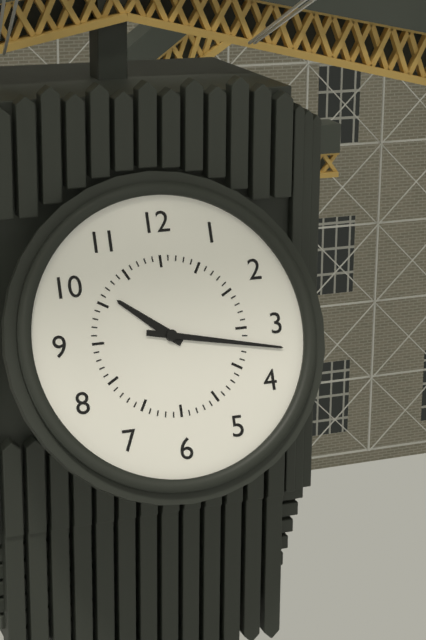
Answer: 10,17
